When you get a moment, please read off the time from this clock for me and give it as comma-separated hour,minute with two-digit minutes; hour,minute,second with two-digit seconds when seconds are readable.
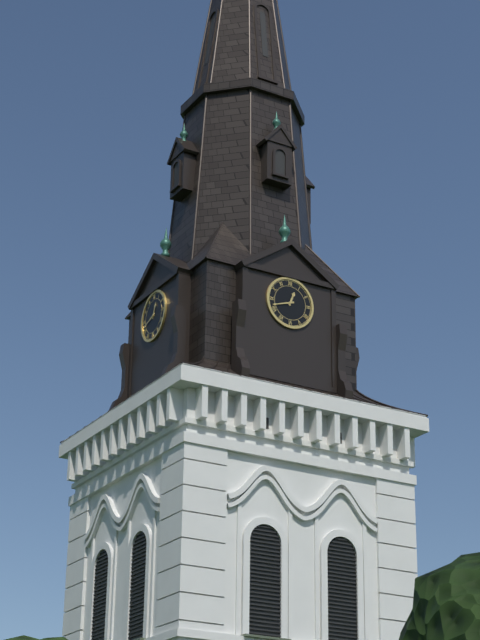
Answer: 12,42
